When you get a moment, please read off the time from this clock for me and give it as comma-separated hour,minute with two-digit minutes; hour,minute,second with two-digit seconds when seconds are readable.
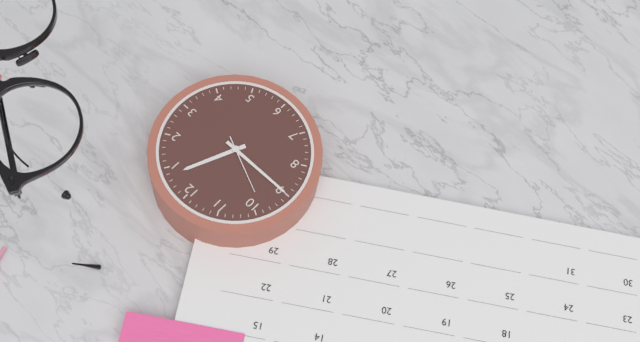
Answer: 12,45
